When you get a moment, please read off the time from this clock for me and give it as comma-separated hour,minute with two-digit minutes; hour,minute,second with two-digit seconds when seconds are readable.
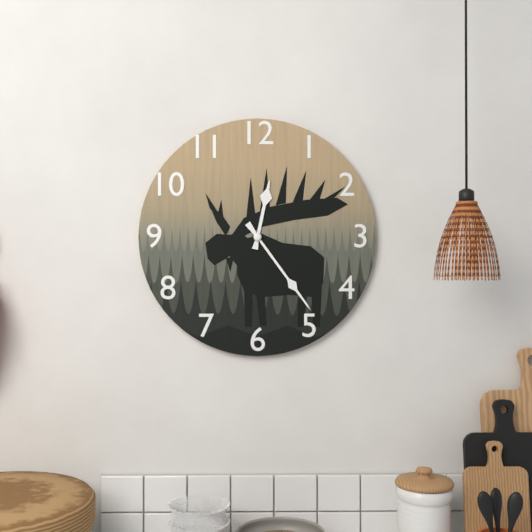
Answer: 12,24
